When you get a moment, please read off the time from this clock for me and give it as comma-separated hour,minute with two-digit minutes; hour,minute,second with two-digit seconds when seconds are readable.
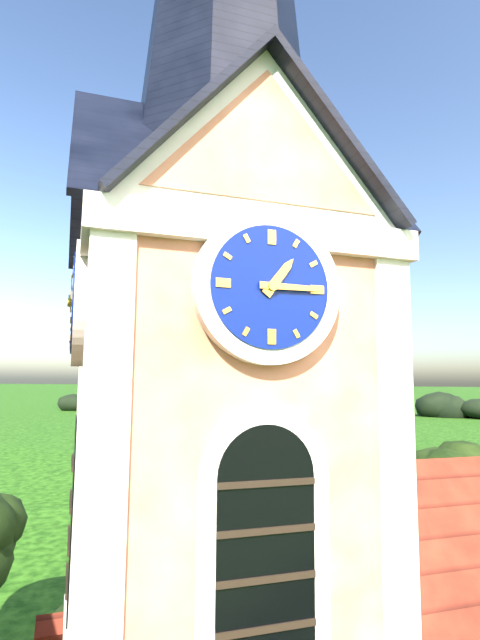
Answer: 1,15
